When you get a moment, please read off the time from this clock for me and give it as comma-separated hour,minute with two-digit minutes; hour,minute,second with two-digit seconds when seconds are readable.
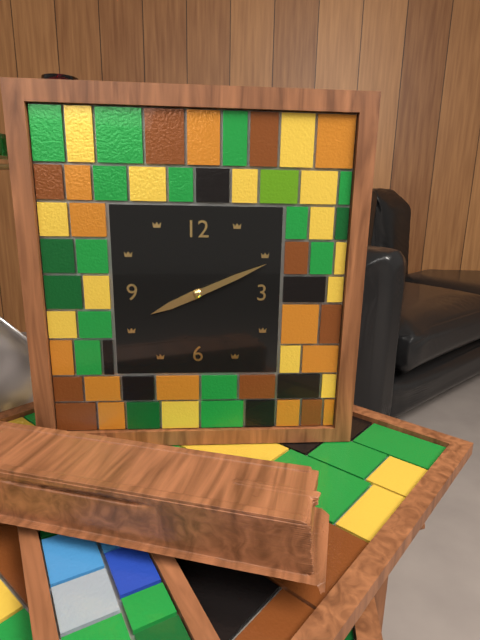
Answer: 8,11
